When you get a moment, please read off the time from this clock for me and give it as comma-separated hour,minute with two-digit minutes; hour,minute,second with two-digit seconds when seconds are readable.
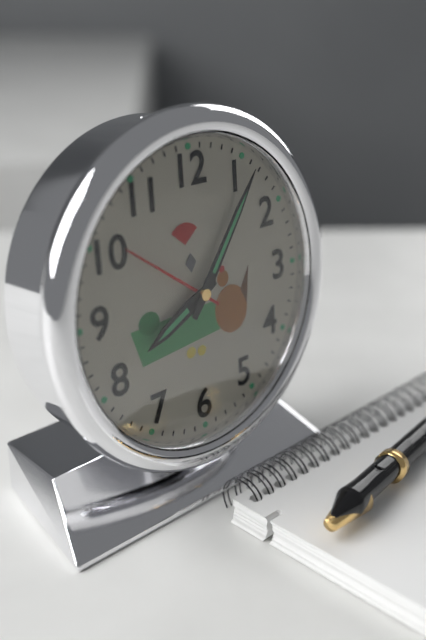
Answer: 8,06
